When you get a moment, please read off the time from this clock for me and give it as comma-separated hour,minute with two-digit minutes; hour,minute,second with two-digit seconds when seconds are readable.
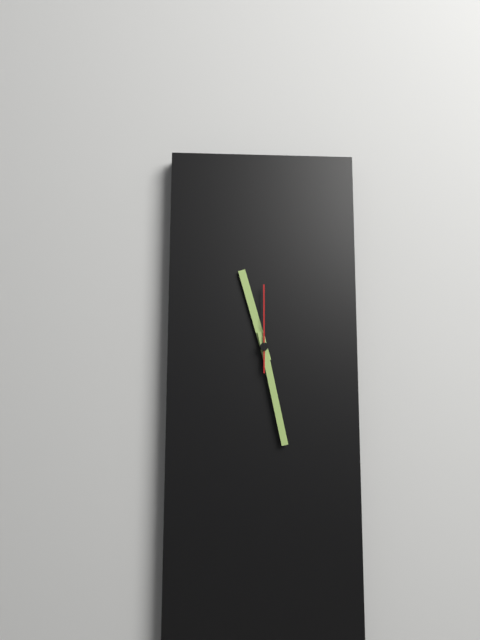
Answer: 11,28,00
